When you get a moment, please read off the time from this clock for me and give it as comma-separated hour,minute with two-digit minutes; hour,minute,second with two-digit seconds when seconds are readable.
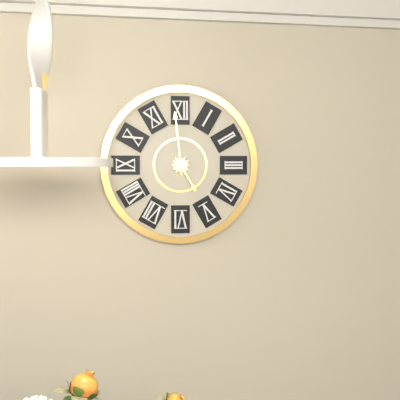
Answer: 4,59
